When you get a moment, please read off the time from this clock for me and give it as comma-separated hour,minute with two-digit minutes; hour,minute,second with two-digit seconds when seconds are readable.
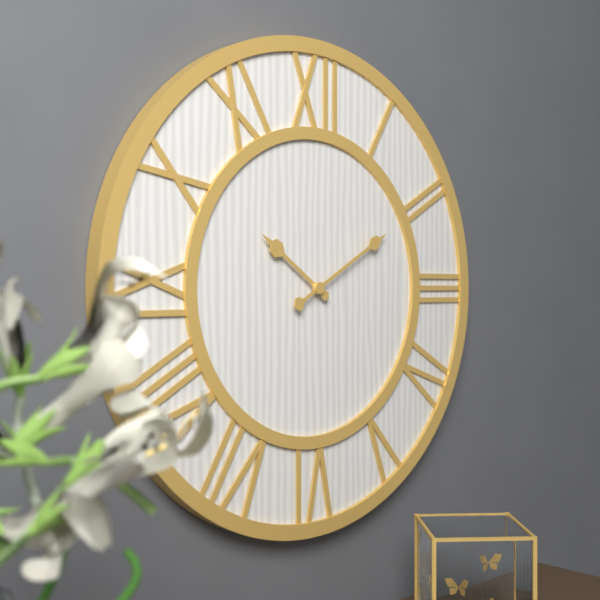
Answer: 10,10
